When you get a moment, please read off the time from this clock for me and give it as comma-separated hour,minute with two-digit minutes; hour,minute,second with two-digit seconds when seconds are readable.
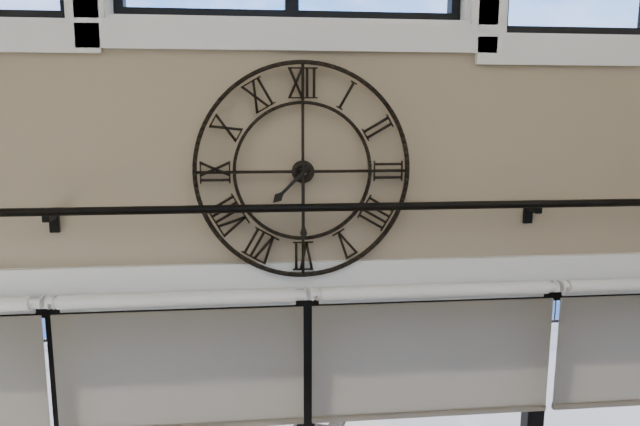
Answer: 7,30
